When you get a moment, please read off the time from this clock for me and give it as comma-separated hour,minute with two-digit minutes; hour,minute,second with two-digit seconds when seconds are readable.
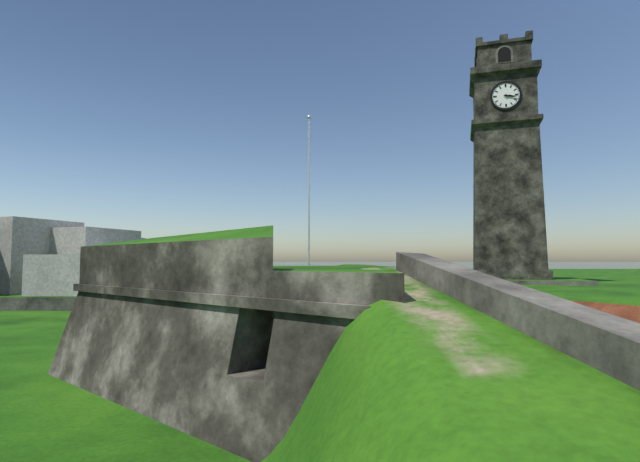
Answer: 3,17
